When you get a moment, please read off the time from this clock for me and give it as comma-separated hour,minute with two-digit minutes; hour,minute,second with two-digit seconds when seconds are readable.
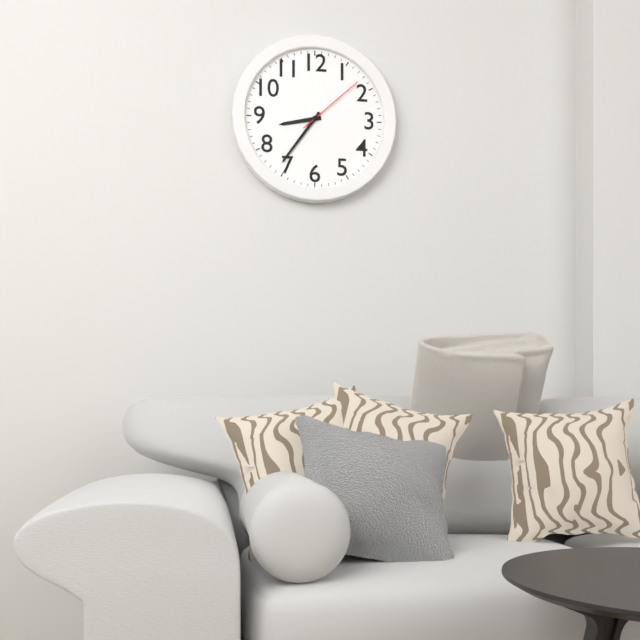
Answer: 8,36,08
